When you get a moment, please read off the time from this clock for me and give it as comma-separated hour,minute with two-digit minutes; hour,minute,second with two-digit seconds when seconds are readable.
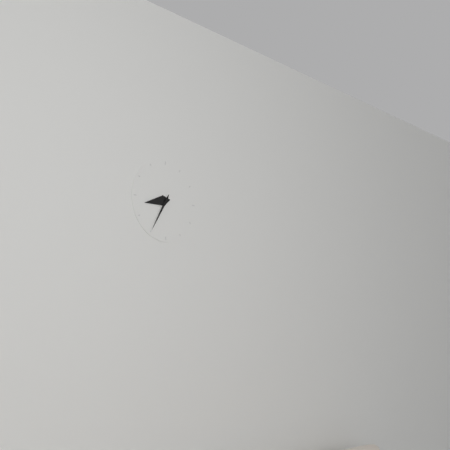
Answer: 8,35
